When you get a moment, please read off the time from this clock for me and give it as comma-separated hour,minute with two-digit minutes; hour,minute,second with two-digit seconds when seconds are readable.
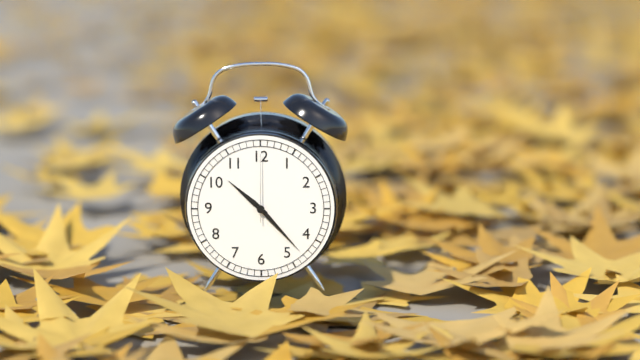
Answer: 10,23,00
